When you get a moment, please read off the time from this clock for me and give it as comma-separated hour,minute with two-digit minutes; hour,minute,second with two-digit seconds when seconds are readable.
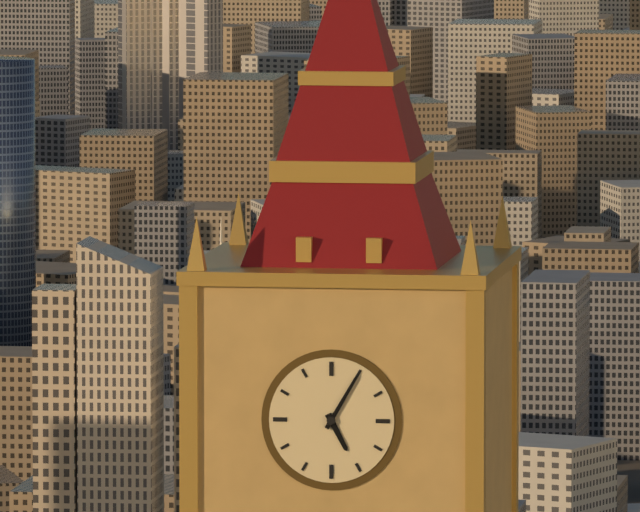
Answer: 5,05
